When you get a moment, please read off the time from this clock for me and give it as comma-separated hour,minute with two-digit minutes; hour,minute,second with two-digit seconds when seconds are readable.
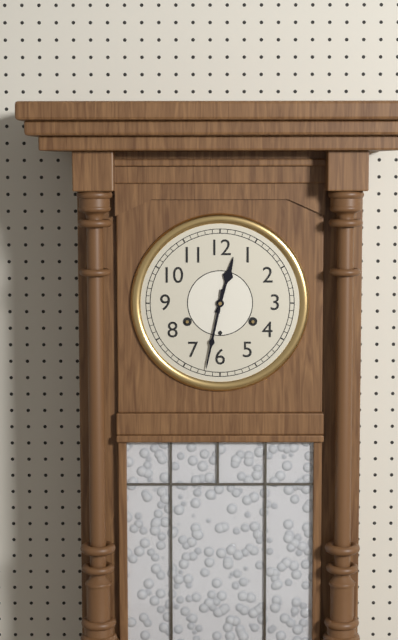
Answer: 12,32
